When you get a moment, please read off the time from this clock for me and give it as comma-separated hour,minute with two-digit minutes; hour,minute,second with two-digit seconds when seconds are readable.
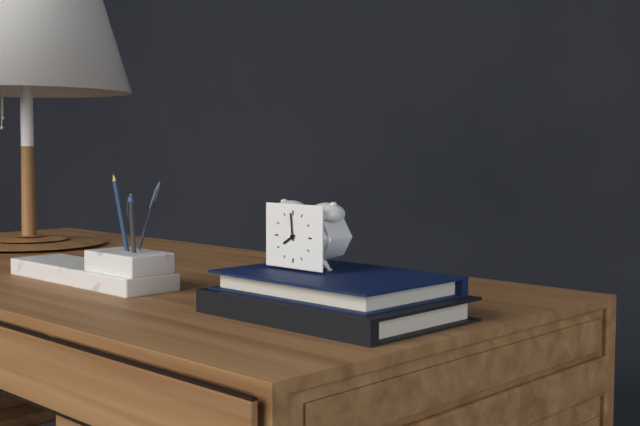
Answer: 7,59
